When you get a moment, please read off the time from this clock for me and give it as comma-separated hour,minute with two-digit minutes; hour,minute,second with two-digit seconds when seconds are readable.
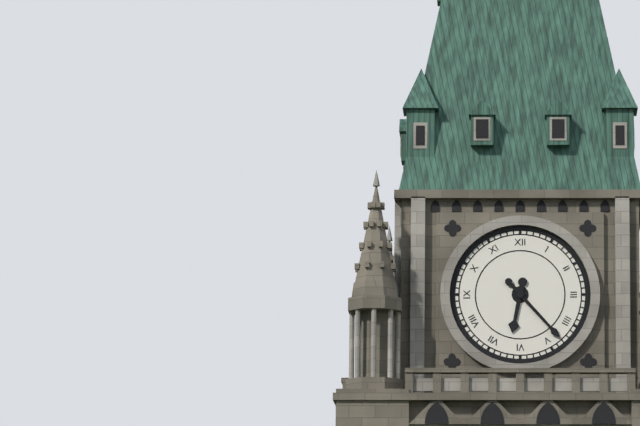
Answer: 6,23
